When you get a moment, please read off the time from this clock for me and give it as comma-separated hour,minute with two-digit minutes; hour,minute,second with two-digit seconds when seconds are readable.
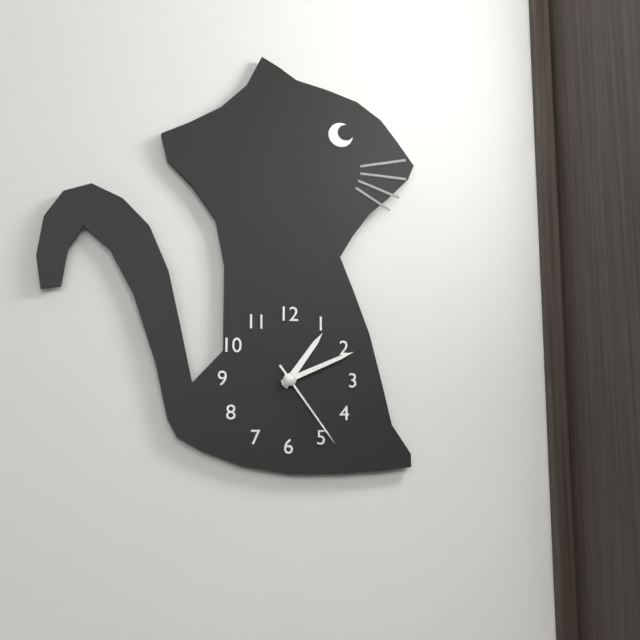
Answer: 1,11,24
